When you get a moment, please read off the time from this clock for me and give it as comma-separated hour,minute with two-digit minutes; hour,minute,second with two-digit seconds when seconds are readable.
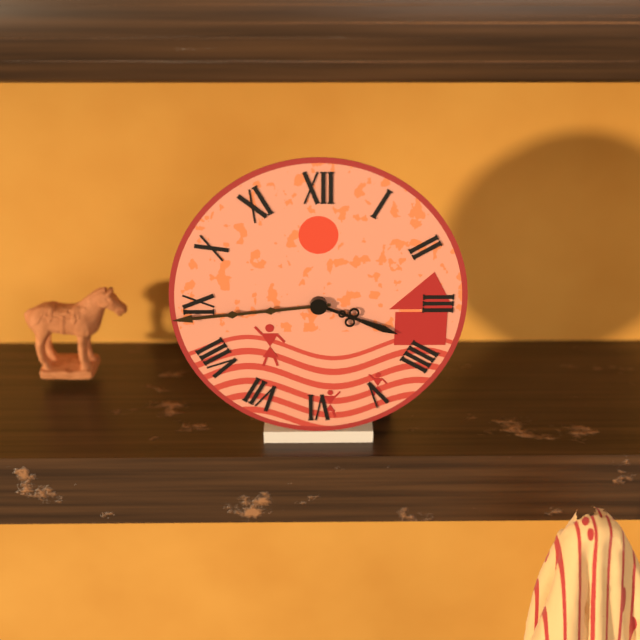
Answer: 3,44
